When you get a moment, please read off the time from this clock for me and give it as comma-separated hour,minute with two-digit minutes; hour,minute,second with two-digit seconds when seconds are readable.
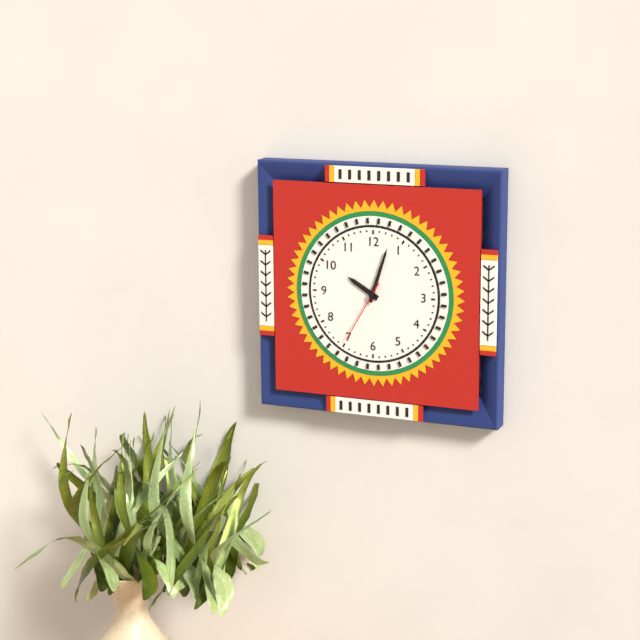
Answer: 10,03,35
